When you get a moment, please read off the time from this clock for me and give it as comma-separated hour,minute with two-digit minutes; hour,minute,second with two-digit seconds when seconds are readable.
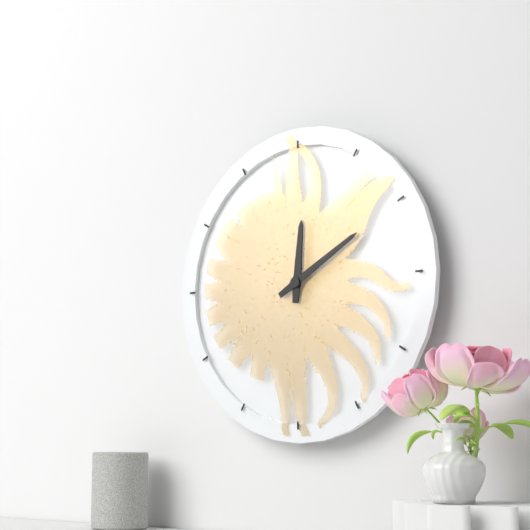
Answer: 12,10
